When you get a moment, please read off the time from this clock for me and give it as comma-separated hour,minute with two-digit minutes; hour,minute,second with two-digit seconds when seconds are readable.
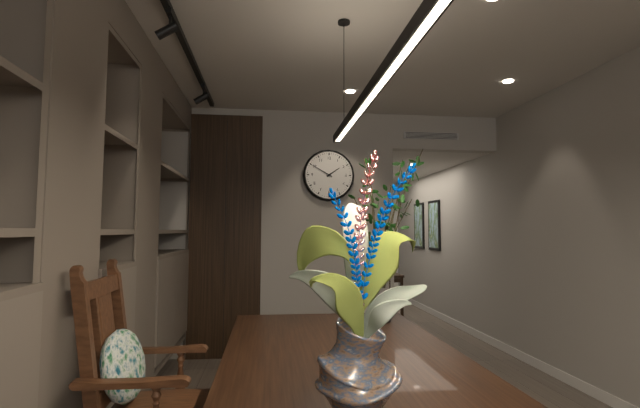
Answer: 1,50
